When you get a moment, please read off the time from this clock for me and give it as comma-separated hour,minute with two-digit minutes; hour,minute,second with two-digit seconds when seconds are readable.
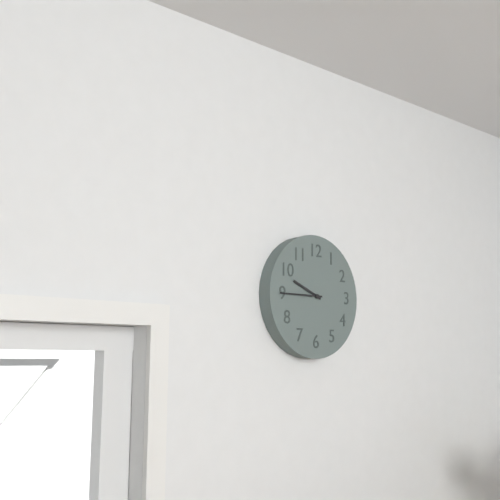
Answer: 9,45
